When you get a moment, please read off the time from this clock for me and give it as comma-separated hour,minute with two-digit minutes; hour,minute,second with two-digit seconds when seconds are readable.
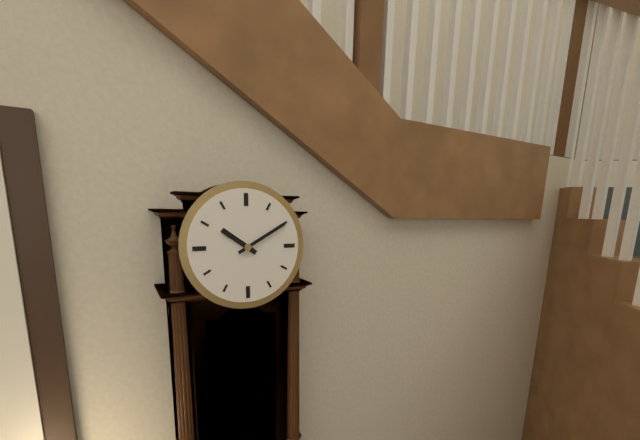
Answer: 10,10
